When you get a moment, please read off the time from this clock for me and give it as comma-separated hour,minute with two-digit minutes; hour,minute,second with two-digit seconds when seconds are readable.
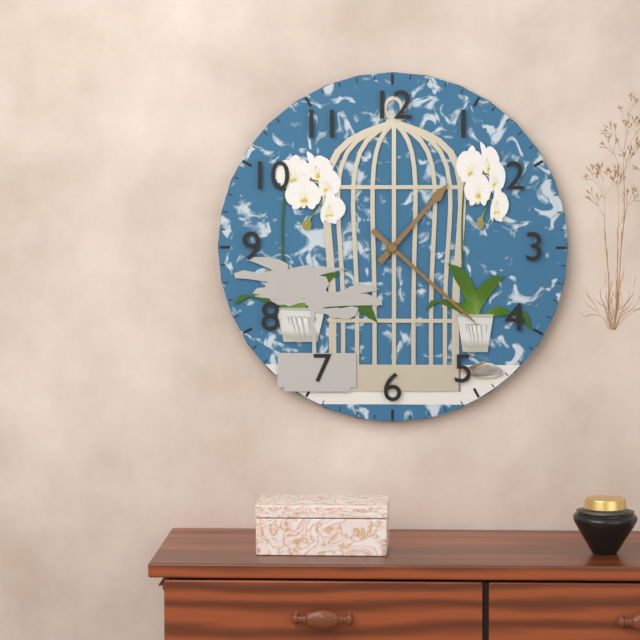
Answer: 1,22
